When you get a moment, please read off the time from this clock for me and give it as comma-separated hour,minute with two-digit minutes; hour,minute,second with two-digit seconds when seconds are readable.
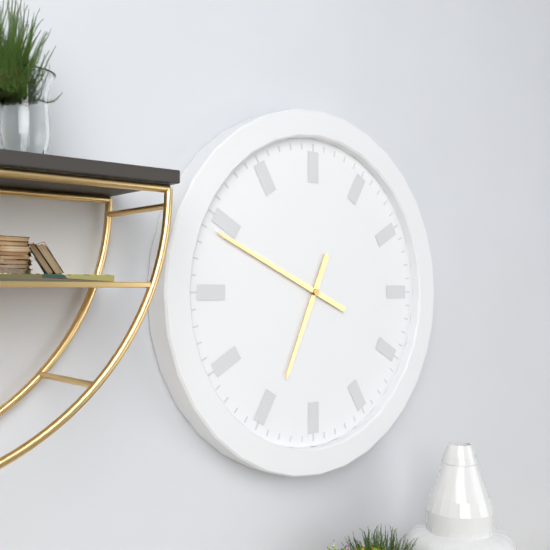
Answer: 6,49
